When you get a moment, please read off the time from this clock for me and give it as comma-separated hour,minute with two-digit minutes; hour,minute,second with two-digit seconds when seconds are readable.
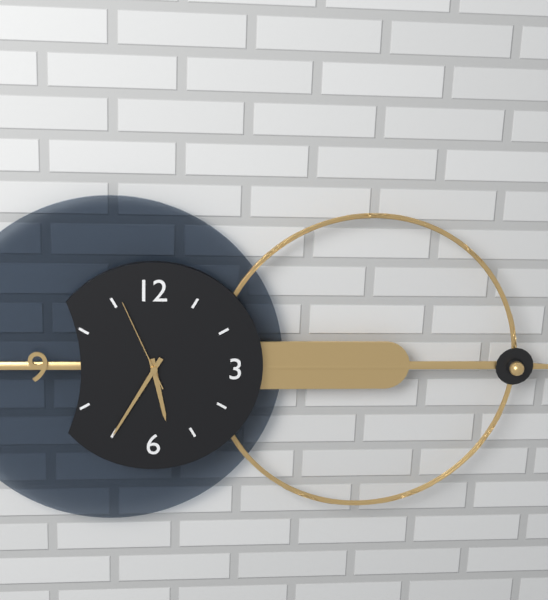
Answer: 5,35,56
